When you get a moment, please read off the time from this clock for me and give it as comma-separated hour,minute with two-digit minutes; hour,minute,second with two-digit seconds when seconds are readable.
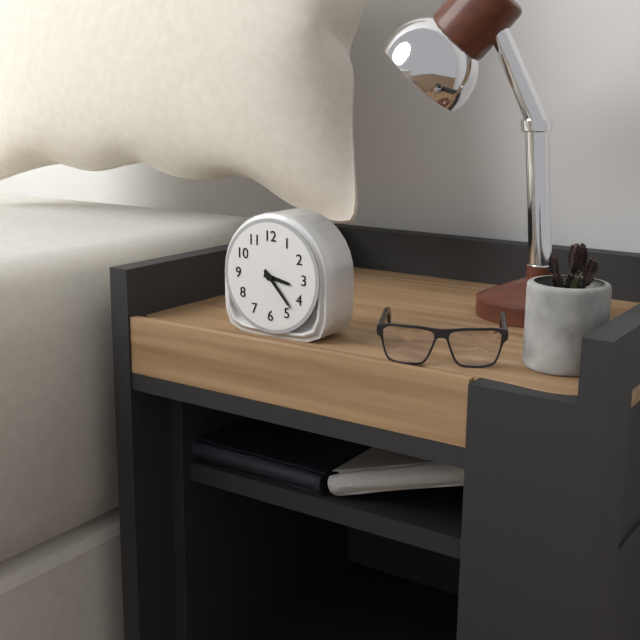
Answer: 3,23
